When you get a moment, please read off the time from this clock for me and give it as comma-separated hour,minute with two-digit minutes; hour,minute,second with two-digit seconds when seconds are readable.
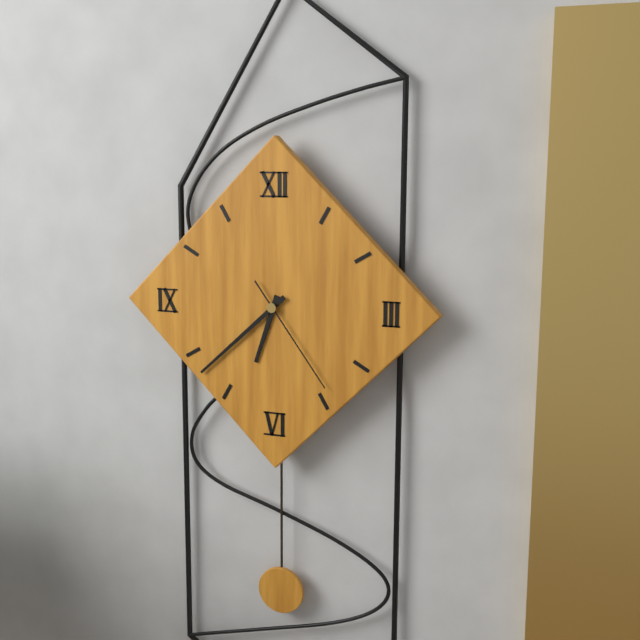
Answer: 6,38,24
